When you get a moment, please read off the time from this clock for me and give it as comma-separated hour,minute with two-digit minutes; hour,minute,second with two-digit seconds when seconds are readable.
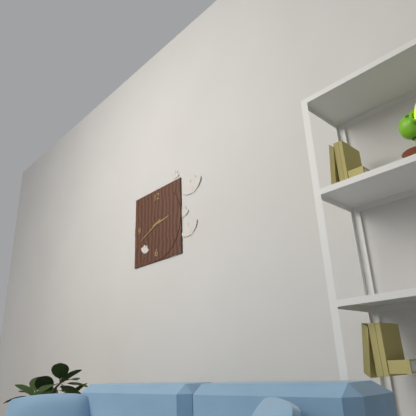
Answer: 2,41
